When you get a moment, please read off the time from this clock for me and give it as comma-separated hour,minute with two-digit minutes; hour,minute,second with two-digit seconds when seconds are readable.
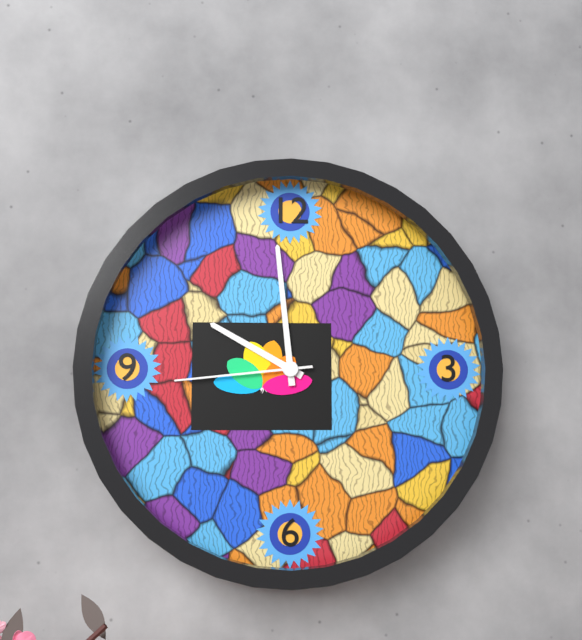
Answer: 9,59,44
